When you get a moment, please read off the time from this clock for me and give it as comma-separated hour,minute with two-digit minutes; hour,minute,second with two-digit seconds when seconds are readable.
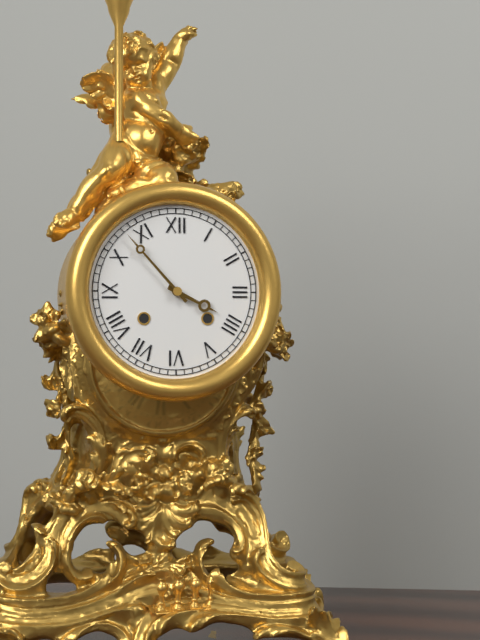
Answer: 3,53
